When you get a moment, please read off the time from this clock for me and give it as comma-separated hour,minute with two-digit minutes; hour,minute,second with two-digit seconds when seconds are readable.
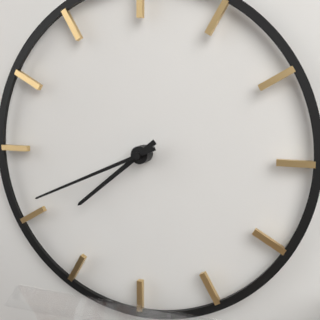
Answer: 7,41
